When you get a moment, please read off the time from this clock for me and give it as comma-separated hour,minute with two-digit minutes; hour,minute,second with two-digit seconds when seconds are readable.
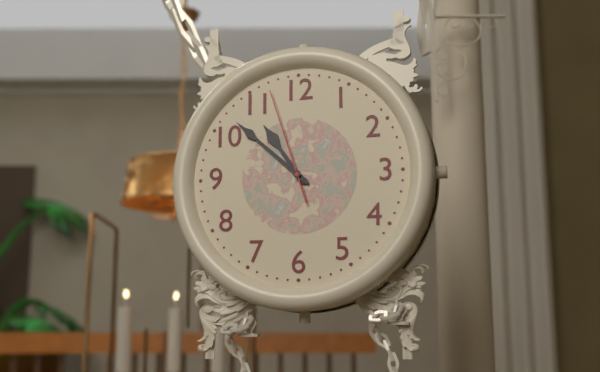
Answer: 10,52,57
